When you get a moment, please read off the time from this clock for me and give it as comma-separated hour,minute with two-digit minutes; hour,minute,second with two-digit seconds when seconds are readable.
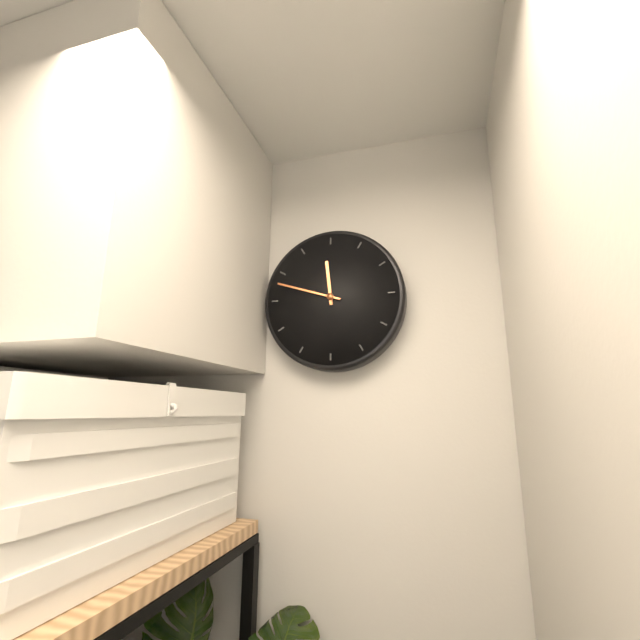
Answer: 11,48
